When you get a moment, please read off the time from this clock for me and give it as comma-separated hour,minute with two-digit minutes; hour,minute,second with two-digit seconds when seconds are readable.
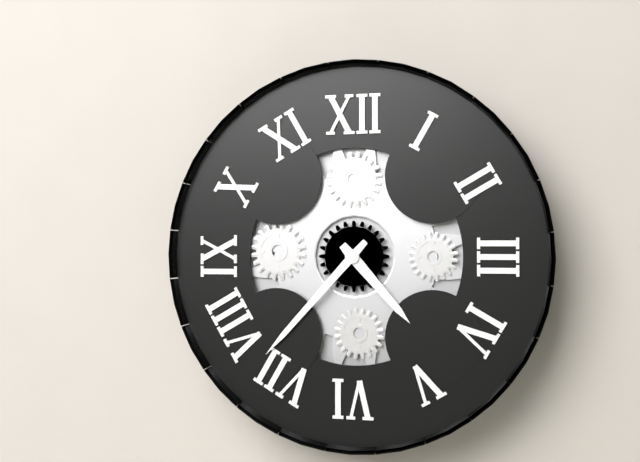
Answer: 4,37
